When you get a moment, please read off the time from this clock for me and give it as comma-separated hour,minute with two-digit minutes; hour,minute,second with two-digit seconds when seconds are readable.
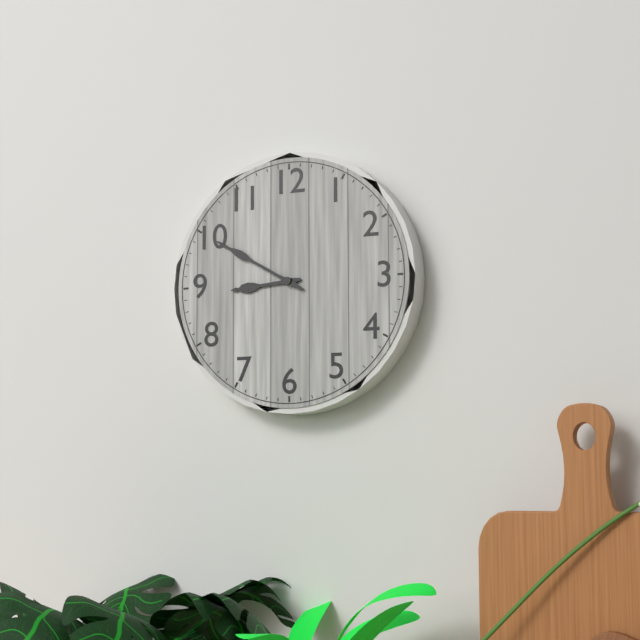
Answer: 8,50
